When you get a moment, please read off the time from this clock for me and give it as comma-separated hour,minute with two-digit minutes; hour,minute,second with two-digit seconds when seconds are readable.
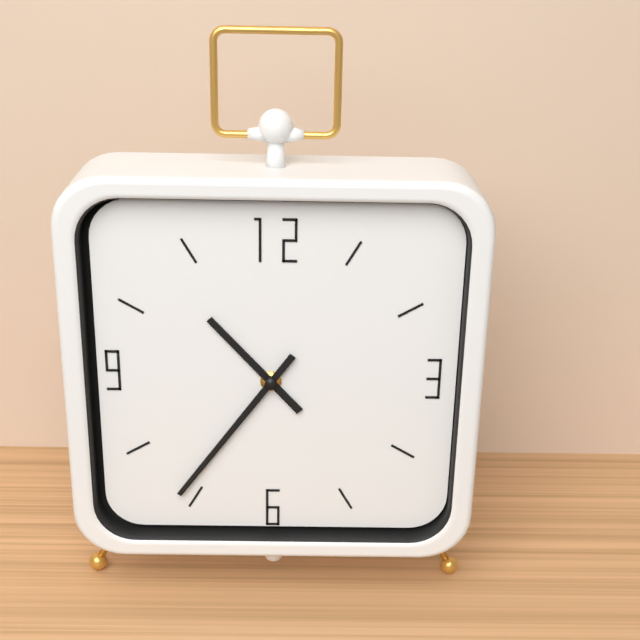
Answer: 10,36
